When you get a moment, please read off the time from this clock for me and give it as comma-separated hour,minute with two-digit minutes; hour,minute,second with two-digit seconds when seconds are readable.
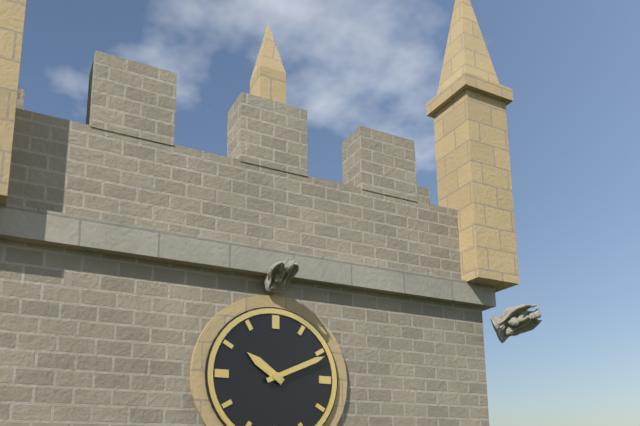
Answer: 10,11
